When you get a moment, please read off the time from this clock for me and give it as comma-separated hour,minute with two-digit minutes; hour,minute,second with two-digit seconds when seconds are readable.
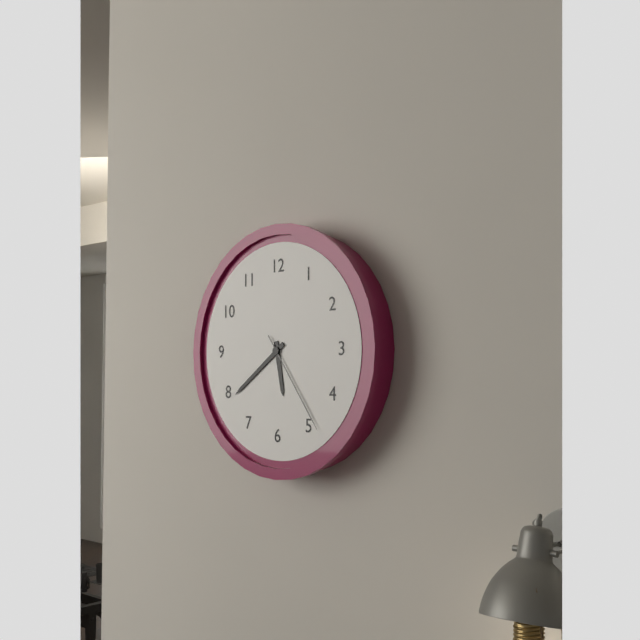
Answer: 5,39,24
